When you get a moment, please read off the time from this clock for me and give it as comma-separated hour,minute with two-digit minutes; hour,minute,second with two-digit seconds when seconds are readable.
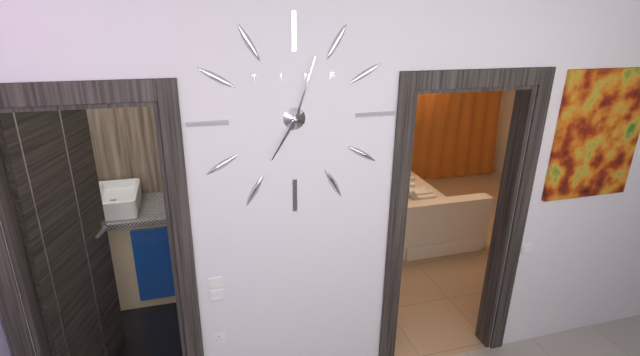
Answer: 7,03
